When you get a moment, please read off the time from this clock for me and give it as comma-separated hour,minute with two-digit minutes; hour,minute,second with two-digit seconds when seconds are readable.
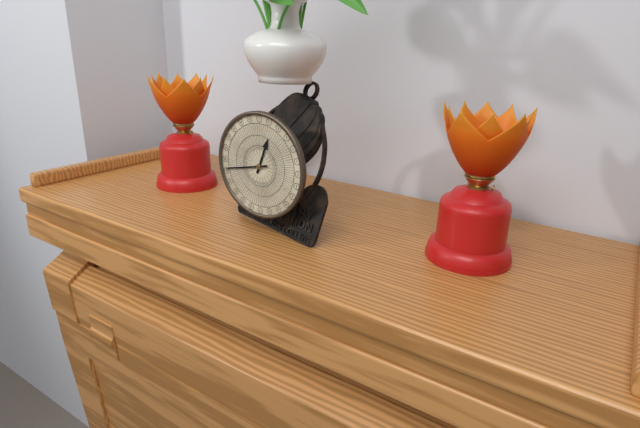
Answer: 12,43
